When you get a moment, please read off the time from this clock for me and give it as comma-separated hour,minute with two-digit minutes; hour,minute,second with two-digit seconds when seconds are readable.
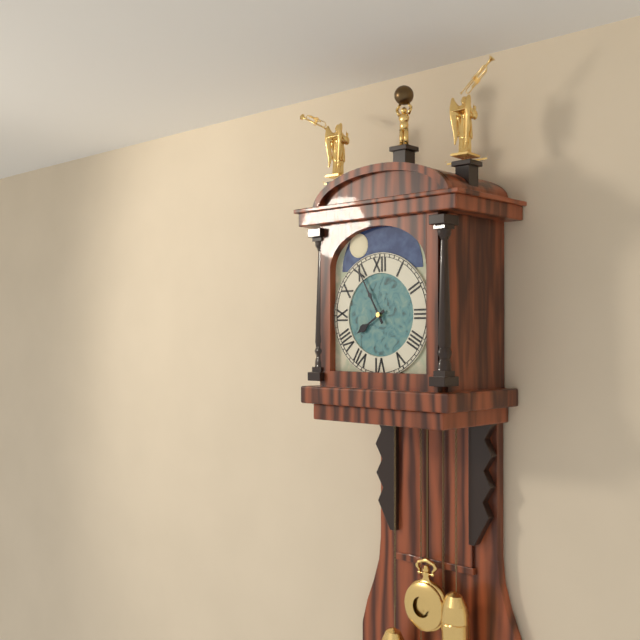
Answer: 7,55
